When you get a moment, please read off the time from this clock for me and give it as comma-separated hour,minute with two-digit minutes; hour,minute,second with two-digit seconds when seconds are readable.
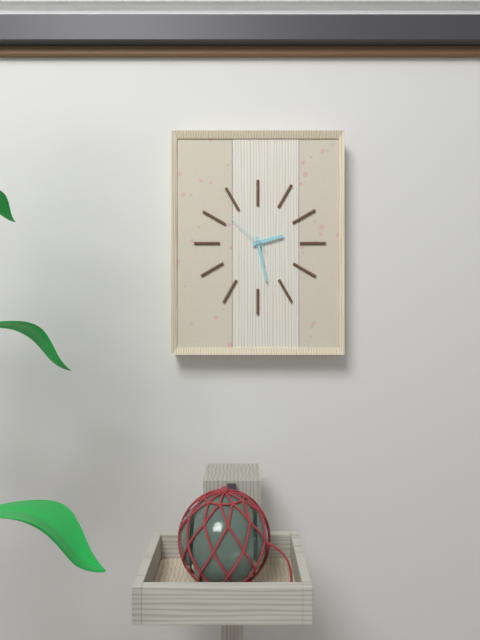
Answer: 2,28,52
